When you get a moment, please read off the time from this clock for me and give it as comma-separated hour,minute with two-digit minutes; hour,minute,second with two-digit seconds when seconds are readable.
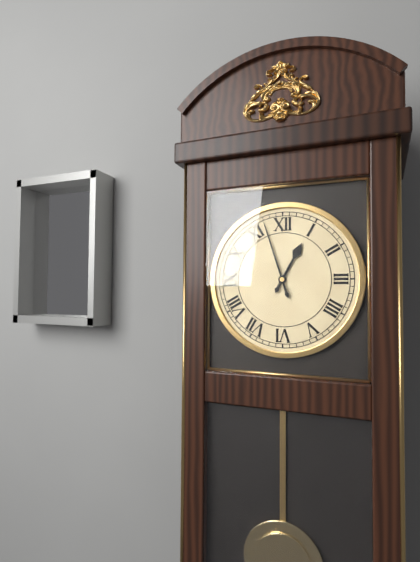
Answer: 12,57
